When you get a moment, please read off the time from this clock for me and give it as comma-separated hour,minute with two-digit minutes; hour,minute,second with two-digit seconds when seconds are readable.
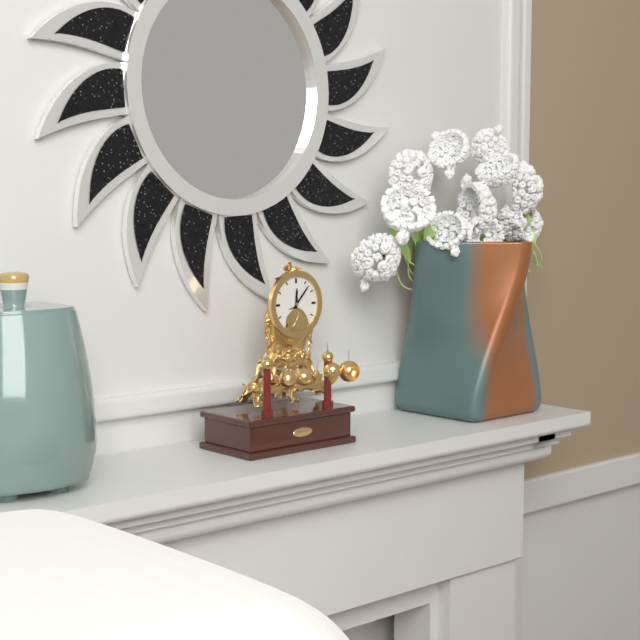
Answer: 12,07
